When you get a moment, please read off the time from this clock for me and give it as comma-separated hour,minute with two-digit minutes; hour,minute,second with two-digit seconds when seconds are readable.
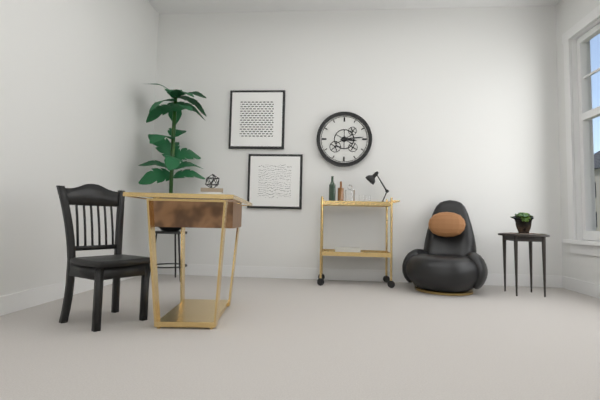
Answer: 3,14
